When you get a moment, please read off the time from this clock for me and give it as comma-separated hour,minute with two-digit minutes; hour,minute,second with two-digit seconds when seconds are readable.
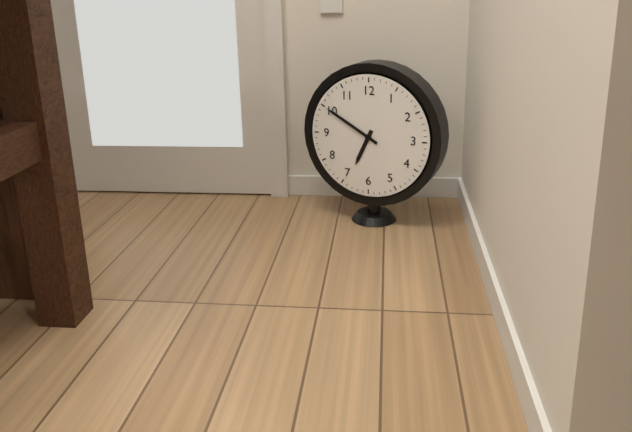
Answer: 6,50
